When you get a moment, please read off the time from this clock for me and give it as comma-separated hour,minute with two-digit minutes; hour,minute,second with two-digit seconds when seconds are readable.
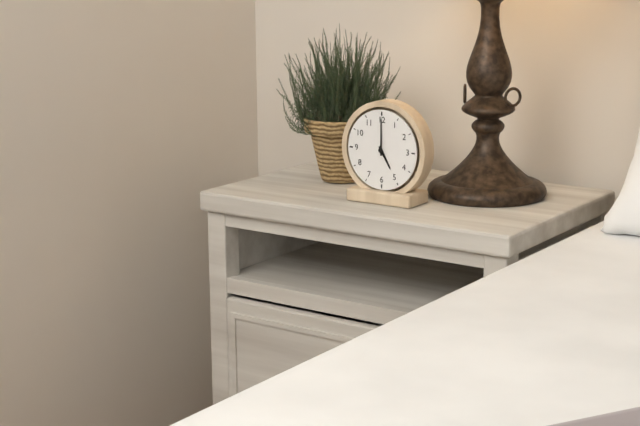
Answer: 5,00
